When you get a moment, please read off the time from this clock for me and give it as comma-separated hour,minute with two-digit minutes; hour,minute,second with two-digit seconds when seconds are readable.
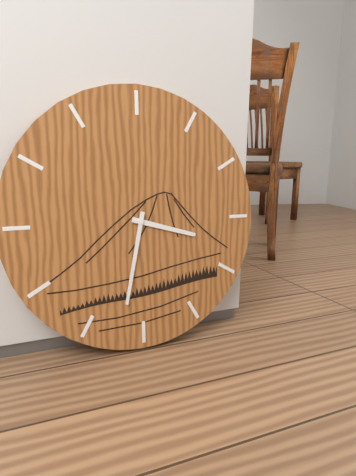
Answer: 3,32
